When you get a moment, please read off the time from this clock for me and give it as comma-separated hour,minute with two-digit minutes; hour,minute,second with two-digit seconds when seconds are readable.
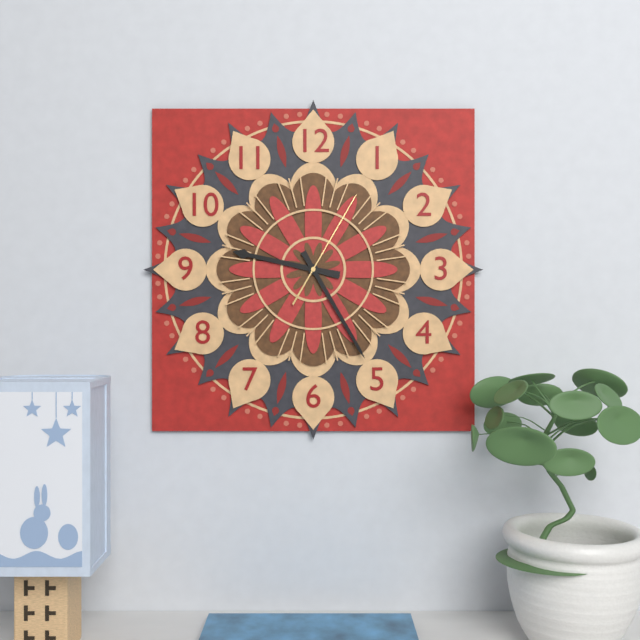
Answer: 9,25,05
